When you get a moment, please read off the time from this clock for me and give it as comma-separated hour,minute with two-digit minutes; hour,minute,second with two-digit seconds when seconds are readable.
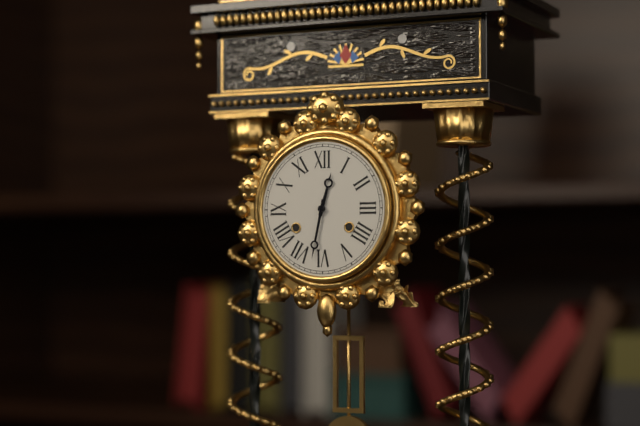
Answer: 12,32
